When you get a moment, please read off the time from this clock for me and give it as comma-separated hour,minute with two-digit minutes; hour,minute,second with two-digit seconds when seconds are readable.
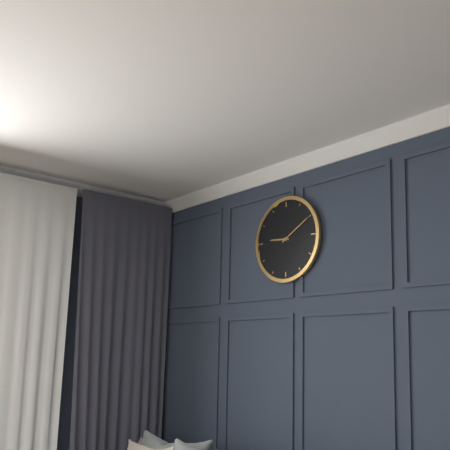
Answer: 9,10
